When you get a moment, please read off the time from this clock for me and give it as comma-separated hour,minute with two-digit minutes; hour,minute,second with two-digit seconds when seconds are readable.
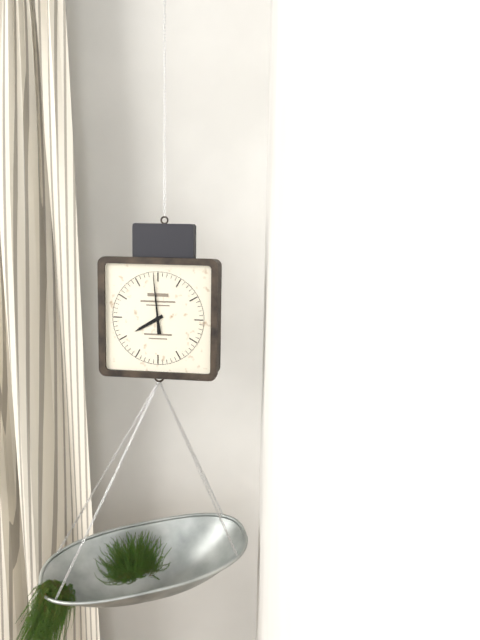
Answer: 7,59
